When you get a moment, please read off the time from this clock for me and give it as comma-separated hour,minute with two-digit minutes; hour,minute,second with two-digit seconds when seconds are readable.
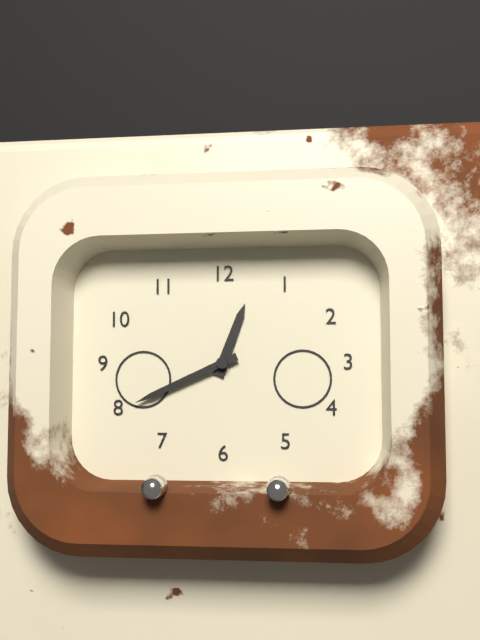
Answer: 12,41
